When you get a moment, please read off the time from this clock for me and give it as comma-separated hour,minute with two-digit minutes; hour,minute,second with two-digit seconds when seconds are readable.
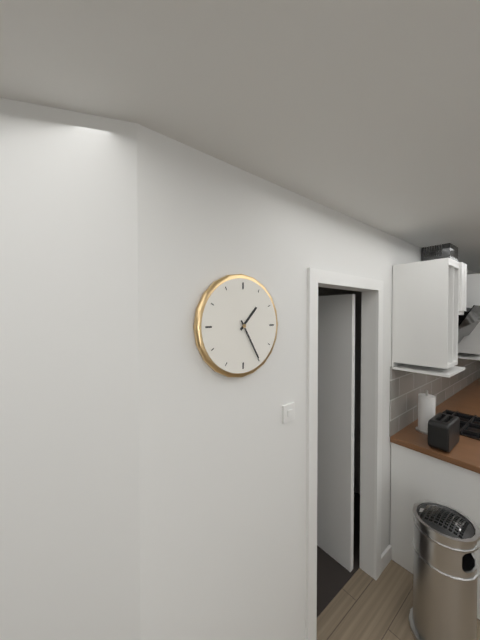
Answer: 1,25
